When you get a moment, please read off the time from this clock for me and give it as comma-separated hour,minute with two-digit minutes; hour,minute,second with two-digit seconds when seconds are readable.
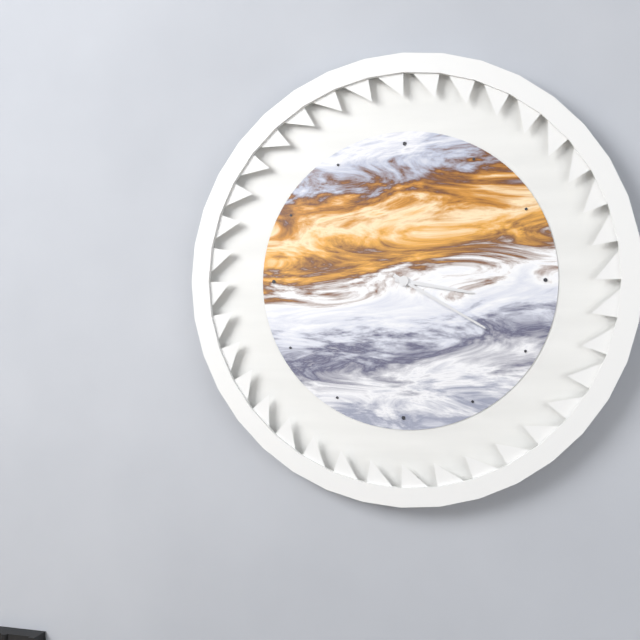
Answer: 3,20
